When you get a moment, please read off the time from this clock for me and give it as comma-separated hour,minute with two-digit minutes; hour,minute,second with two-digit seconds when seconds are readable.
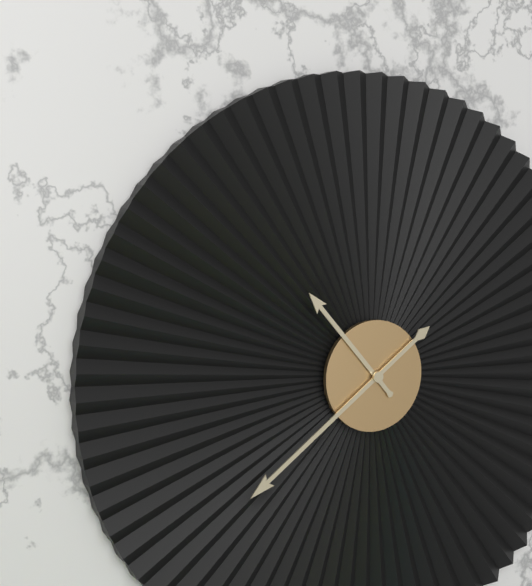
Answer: 10,39
